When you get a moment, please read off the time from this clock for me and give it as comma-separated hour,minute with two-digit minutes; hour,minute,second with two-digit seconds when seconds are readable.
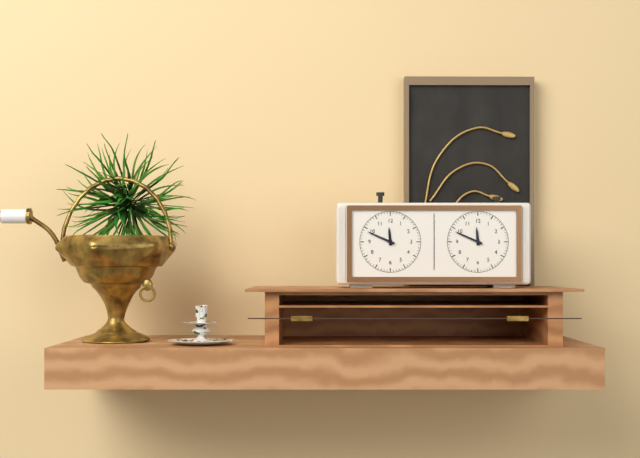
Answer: 11,49
